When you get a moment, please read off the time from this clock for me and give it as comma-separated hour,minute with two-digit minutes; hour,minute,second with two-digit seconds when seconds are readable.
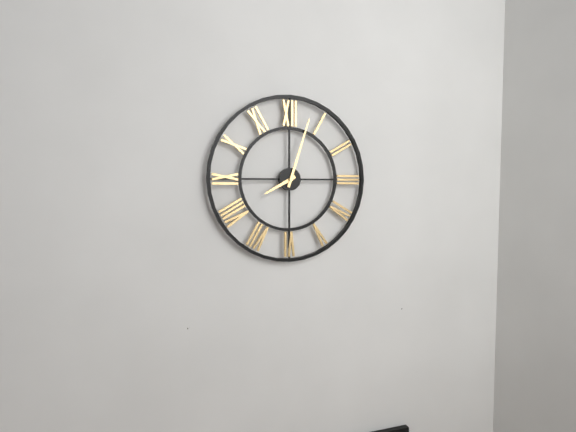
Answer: 8,03
